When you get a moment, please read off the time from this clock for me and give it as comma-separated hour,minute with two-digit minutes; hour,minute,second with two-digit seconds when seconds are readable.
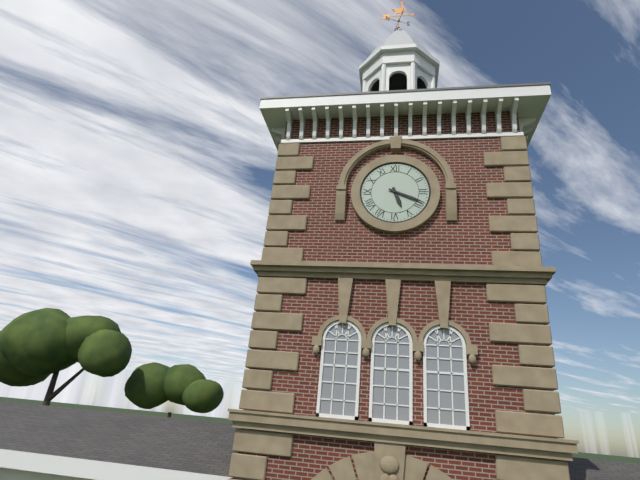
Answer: 5,19
